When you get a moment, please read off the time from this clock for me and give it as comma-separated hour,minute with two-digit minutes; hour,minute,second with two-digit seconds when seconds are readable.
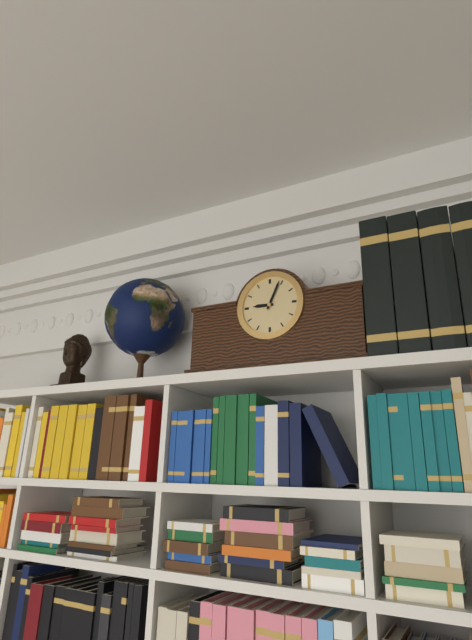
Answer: 9,04
